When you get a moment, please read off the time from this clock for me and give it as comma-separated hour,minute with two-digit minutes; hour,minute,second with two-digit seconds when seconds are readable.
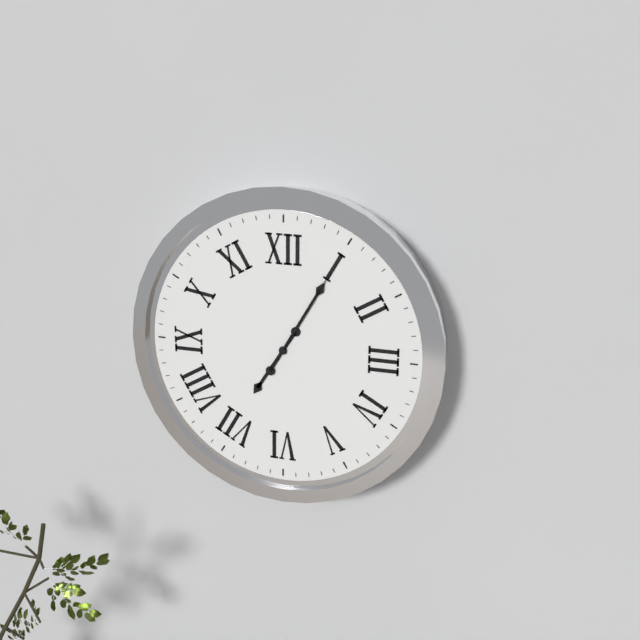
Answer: 7,05,05
